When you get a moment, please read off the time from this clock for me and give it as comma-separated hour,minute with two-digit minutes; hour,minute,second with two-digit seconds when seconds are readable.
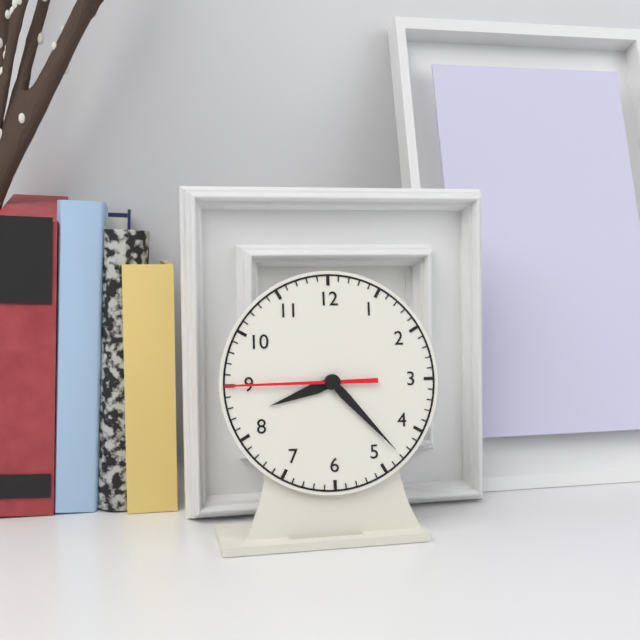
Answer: 8,23,45
